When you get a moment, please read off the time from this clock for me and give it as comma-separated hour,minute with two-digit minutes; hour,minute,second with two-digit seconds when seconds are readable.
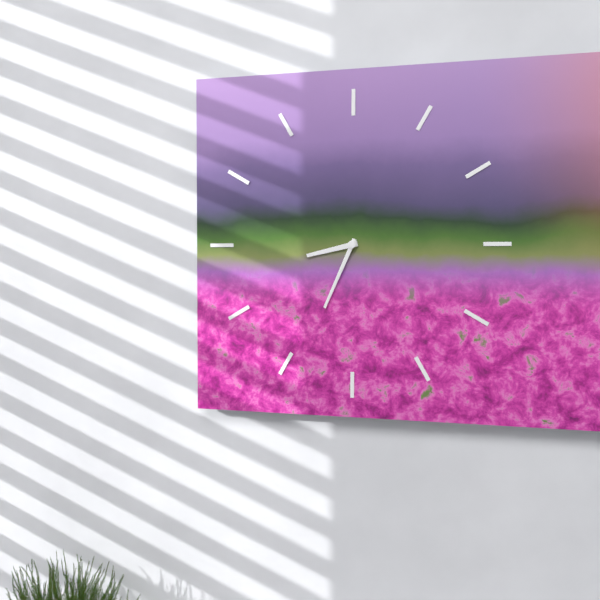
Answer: 8,34
